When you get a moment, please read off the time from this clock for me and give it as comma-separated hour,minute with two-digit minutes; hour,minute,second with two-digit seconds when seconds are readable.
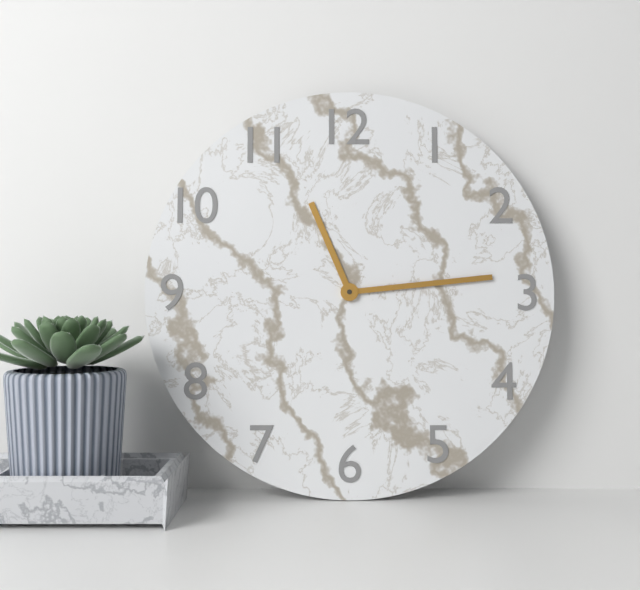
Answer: 11,14
